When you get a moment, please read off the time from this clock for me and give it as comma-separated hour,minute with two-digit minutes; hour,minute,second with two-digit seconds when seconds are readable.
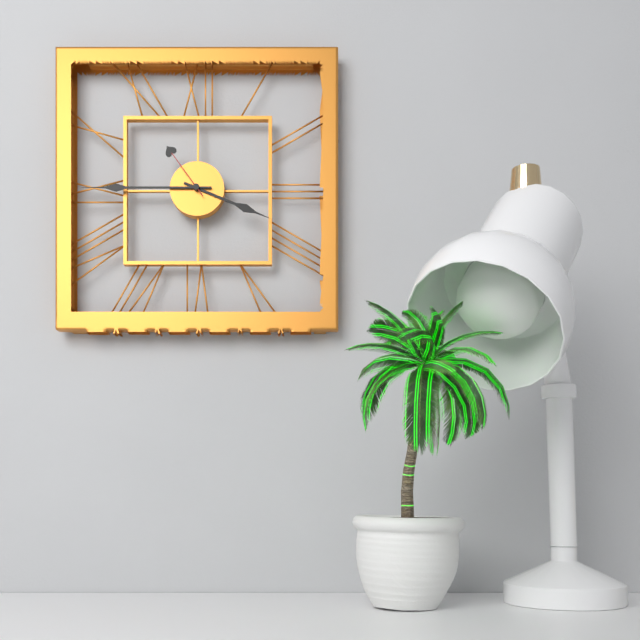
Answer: 3,45,54
